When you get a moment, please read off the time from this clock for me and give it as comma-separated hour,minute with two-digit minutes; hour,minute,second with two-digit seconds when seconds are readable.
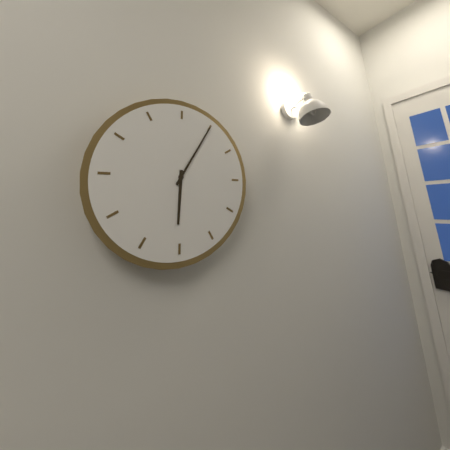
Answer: 6,05
